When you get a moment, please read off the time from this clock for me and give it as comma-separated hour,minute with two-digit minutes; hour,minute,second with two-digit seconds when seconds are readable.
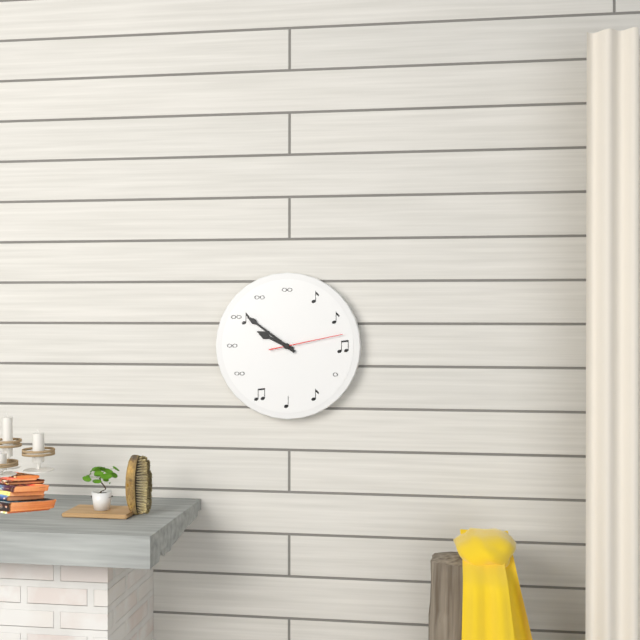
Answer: 9,51,13
